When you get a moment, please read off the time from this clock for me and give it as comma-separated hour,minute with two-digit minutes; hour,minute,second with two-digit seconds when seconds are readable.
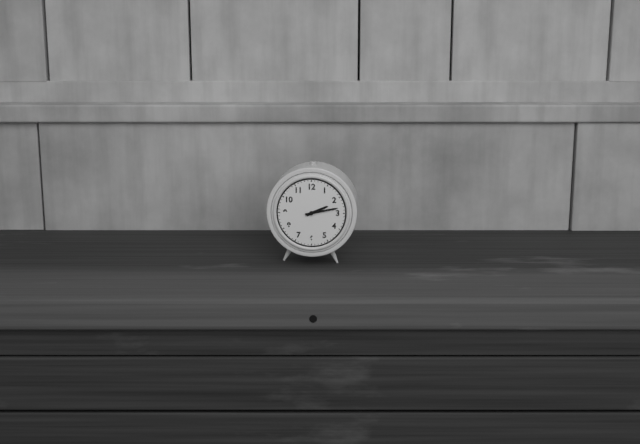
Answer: 2,13
